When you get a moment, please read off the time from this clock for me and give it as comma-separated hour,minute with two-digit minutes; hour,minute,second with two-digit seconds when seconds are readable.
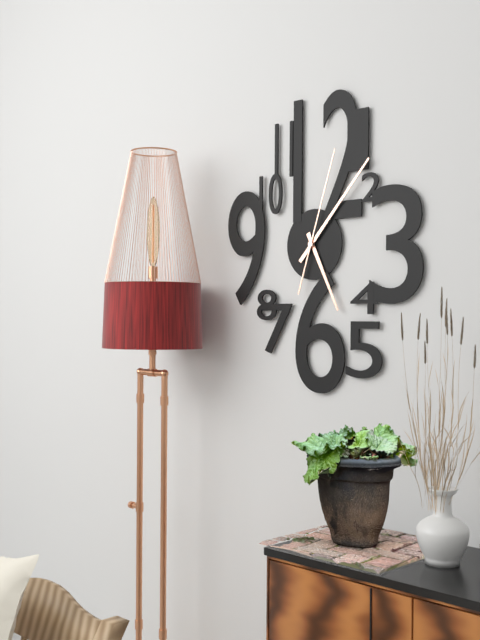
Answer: 5,07,03
